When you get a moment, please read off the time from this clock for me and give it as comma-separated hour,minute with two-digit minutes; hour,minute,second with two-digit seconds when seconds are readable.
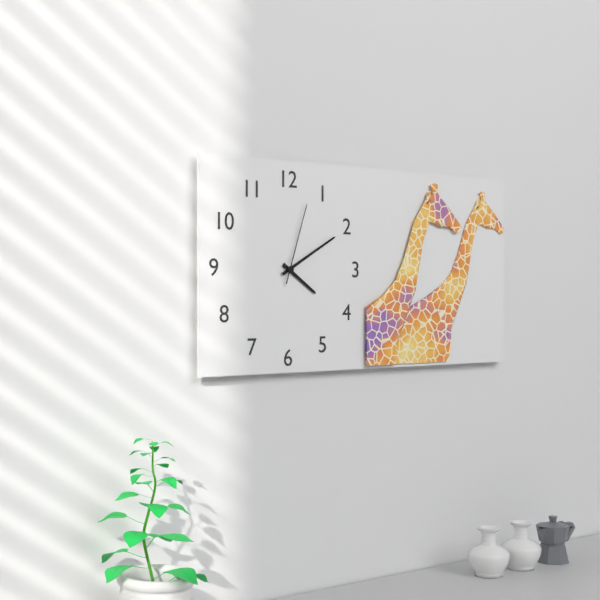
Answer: 4,10,03
